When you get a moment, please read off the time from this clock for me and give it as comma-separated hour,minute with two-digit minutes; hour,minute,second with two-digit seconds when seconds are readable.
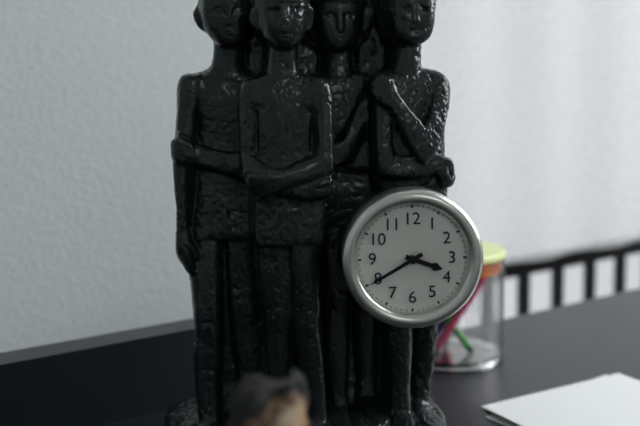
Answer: 3,40
